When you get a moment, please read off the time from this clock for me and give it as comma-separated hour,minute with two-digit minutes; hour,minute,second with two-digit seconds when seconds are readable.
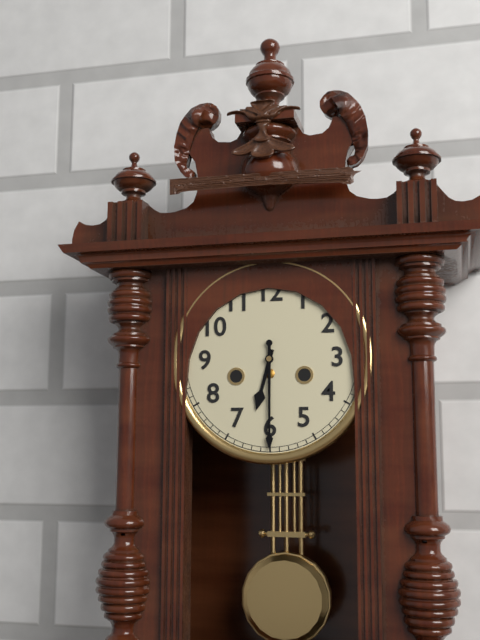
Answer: 6,30
